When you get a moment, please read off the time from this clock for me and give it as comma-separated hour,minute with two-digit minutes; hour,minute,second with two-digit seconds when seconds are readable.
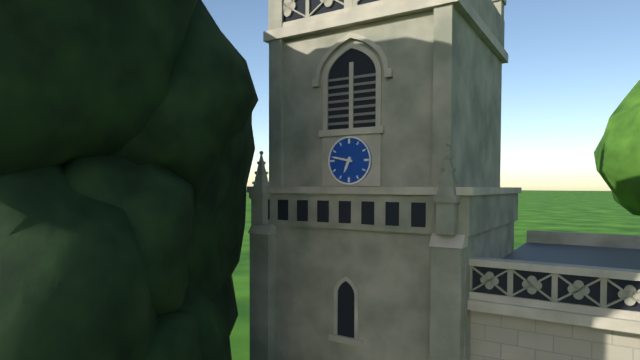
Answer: 6,47
